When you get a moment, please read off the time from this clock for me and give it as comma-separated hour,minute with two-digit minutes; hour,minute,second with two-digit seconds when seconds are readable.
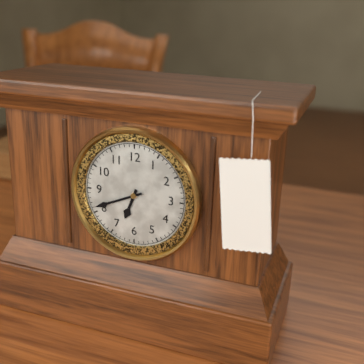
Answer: 6,41
